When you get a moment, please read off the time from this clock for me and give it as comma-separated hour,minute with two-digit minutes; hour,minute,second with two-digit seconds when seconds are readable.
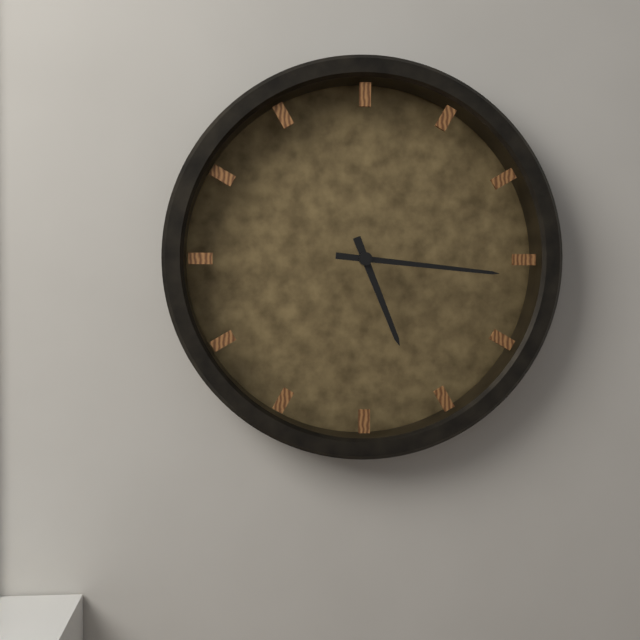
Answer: 5,16
